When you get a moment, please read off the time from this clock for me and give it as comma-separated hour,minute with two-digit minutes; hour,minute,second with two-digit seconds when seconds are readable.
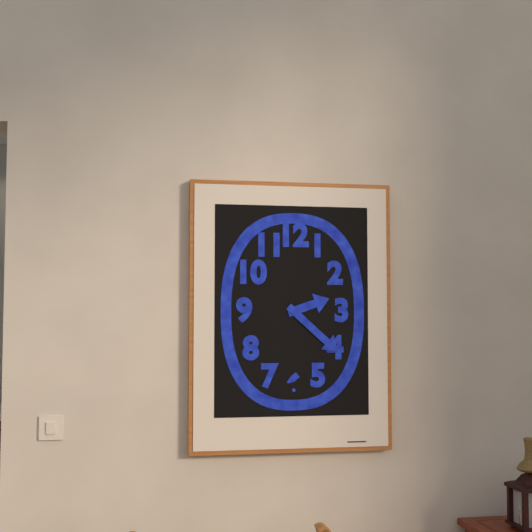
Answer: 2,22
